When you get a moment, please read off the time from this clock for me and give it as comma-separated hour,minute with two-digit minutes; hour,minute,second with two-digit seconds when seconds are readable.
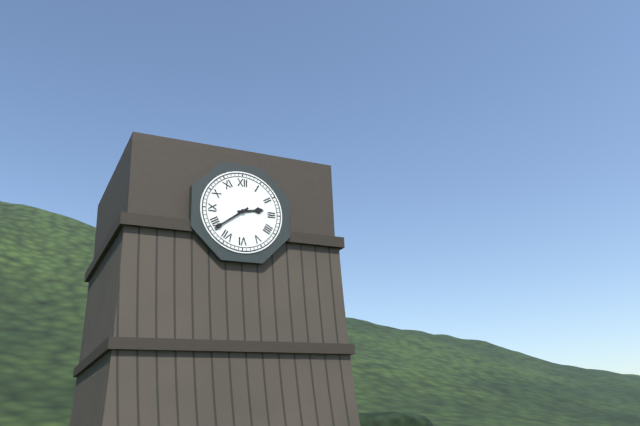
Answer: 2,39
